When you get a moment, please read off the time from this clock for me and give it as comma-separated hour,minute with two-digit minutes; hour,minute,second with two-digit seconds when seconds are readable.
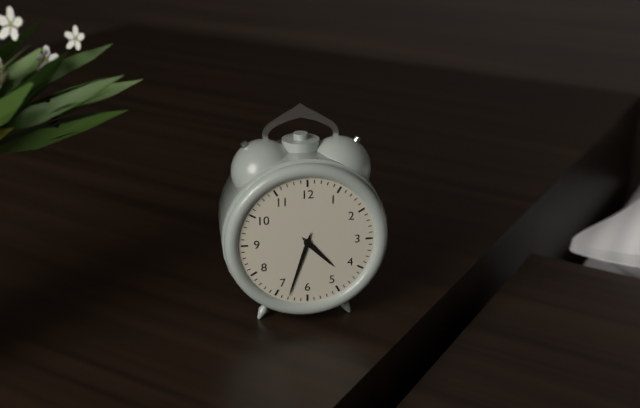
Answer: 4,33
